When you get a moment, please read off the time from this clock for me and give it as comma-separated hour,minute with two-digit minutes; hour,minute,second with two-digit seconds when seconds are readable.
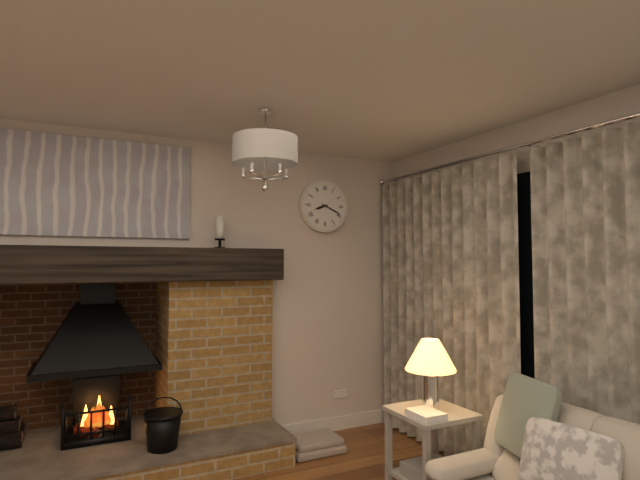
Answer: 8,19
